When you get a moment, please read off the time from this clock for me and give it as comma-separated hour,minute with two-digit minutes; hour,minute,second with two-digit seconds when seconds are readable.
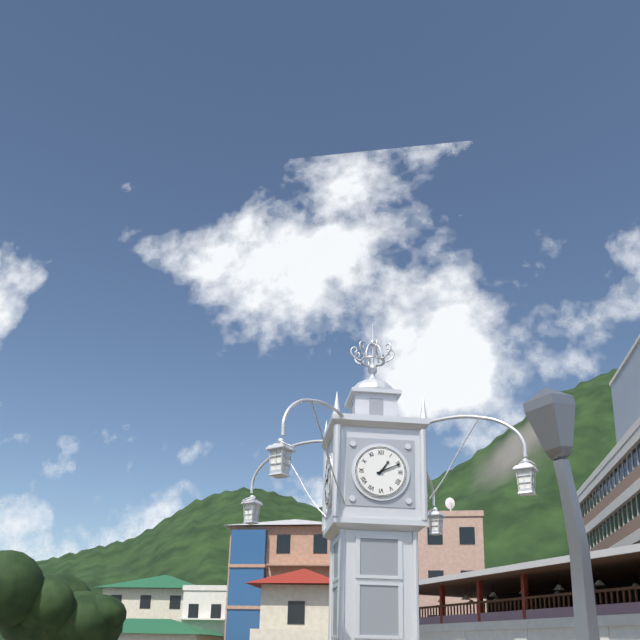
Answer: 1,11
